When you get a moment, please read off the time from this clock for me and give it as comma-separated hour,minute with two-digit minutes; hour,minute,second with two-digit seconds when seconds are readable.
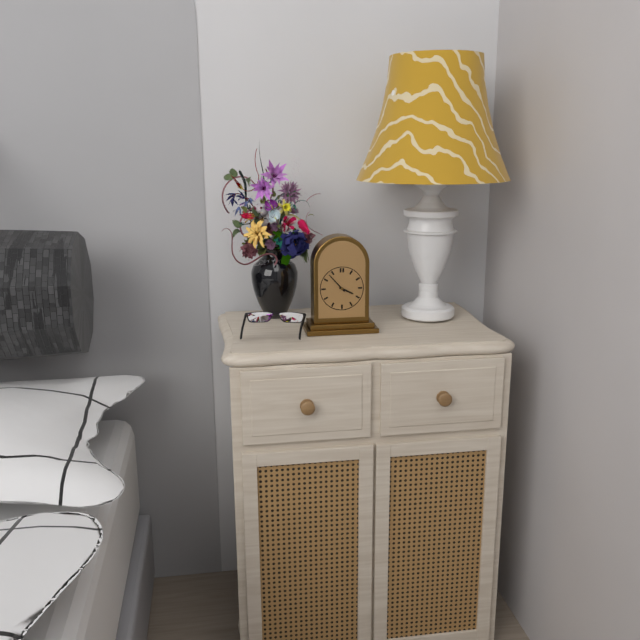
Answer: 3,53
